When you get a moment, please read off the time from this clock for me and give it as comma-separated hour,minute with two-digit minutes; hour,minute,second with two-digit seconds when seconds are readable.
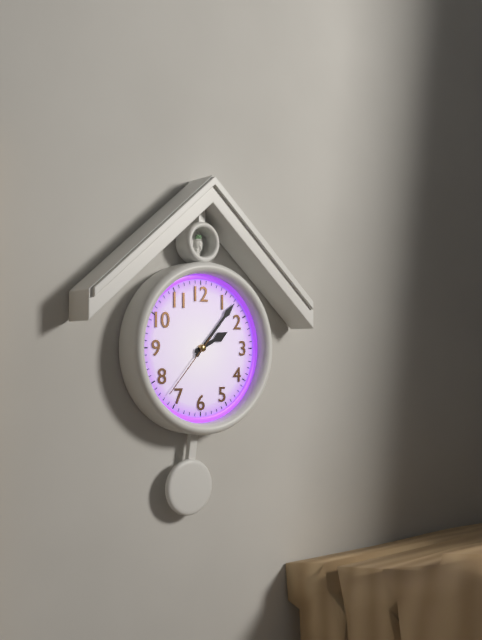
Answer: 2,07,37
